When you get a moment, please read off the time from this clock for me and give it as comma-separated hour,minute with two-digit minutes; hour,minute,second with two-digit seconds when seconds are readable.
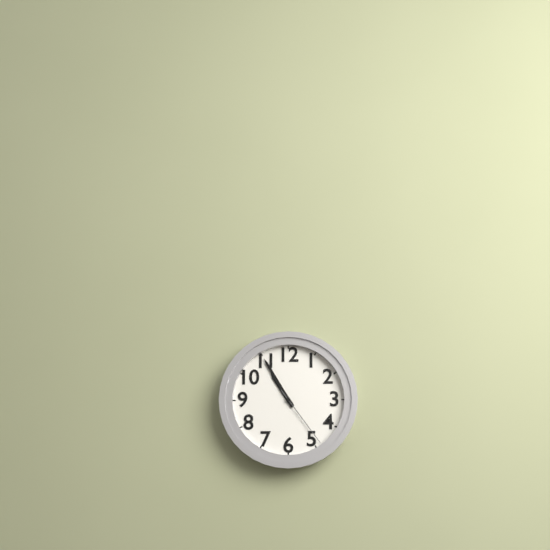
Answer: 10,55,24
